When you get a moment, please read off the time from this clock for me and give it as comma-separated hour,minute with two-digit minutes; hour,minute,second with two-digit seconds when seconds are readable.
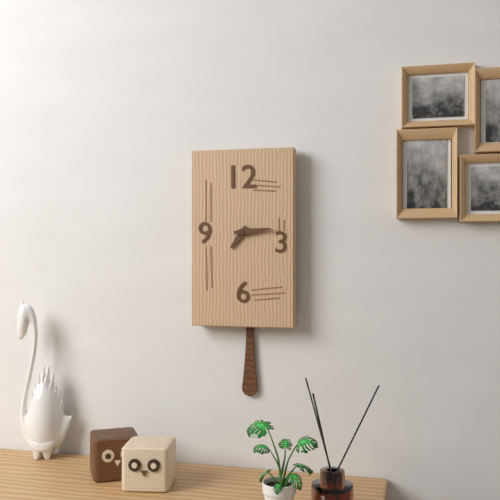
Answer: 7,14
